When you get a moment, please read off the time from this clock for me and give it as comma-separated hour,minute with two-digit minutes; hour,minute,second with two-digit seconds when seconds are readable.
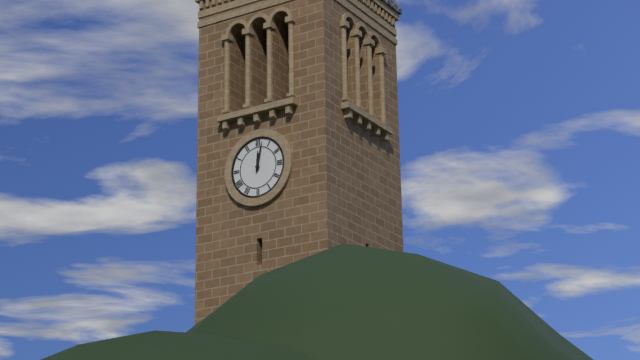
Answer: 12,02
